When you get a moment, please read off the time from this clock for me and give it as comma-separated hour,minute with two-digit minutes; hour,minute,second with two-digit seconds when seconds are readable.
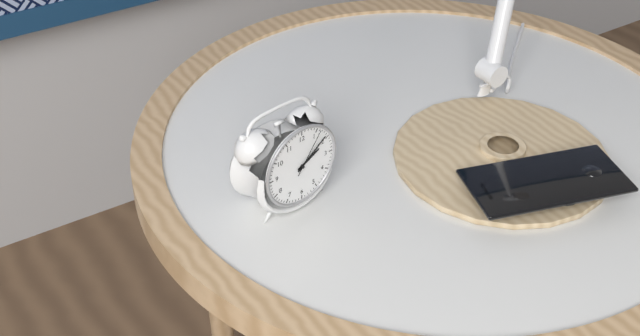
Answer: 2,09,06
